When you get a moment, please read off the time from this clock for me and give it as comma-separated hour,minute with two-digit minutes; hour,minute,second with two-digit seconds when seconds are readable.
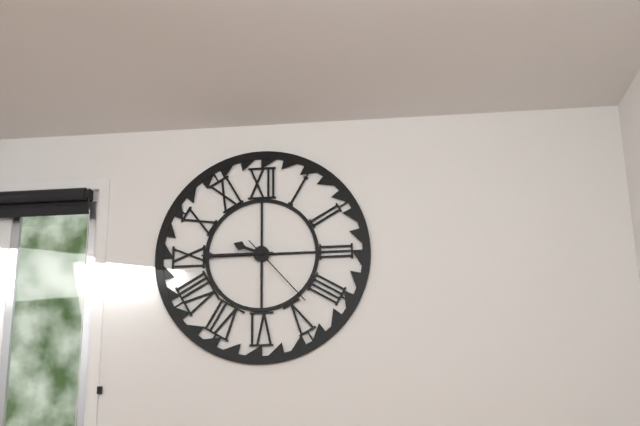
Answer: 9,45,23
